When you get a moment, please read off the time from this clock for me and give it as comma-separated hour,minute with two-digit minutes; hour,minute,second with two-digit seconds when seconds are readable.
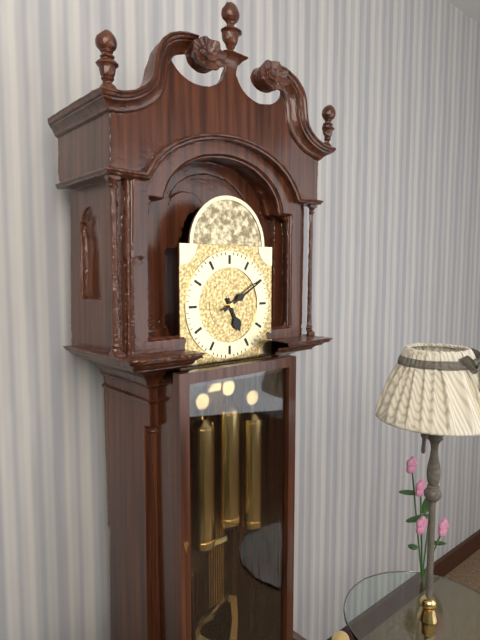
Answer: 5,10
